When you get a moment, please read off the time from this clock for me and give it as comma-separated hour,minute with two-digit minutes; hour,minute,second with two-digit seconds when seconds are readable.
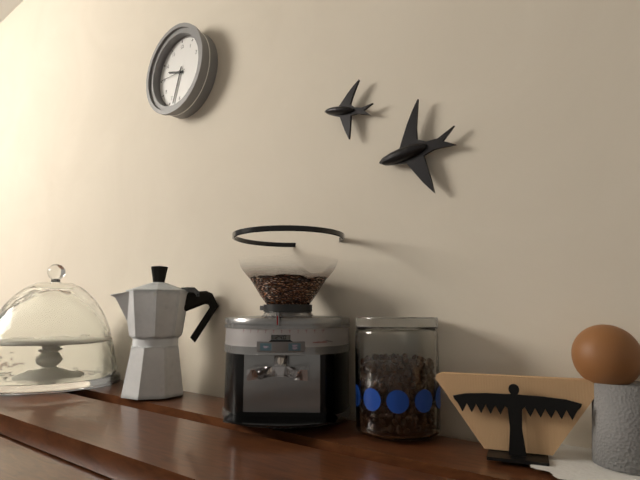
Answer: 9,33
